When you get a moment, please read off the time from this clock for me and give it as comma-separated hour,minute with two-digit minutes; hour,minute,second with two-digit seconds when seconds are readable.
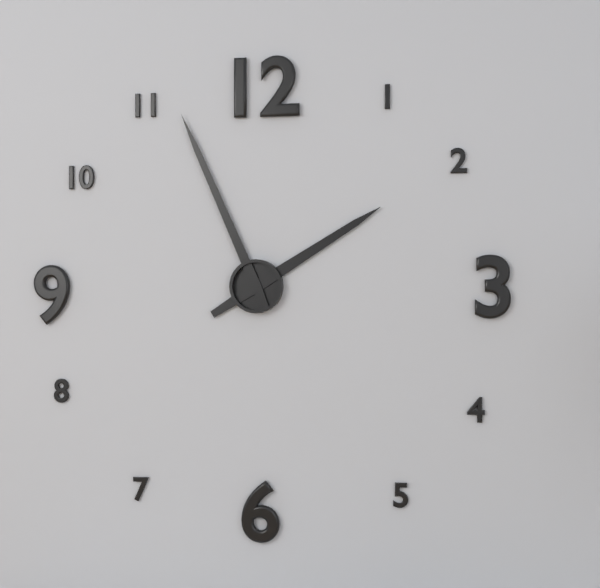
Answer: 1,56
